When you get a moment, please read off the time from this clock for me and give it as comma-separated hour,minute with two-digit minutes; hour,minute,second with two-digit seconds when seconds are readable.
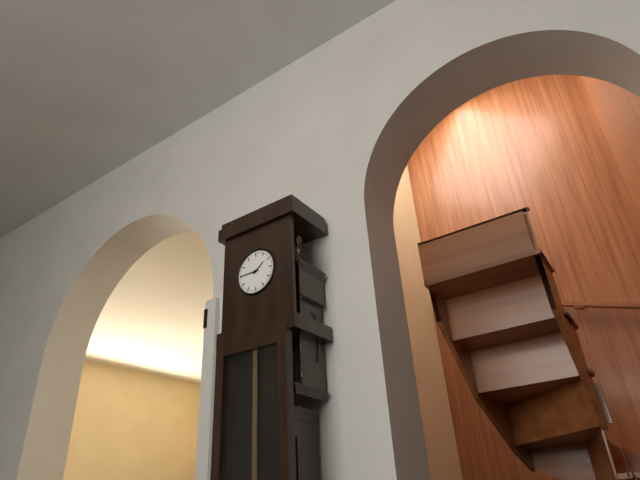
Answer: 1,45
